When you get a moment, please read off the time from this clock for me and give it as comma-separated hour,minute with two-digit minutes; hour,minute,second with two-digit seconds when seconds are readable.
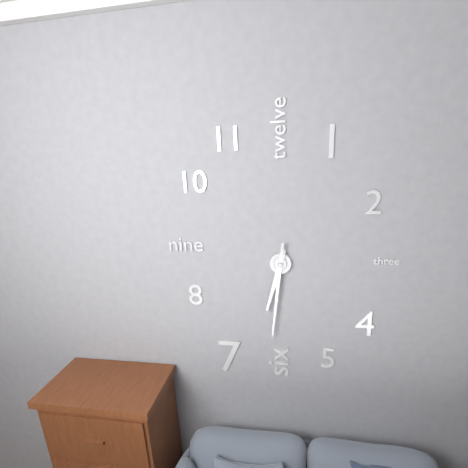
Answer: 6,31
